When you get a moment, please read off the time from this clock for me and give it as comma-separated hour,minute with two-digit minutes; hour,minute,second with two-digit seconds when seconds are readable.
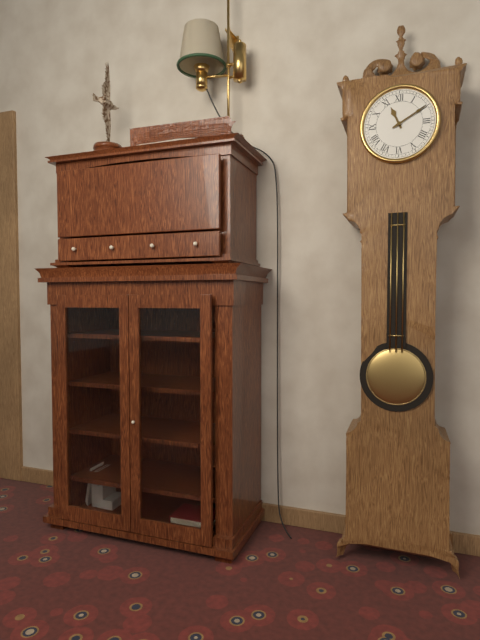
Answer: 11,10
